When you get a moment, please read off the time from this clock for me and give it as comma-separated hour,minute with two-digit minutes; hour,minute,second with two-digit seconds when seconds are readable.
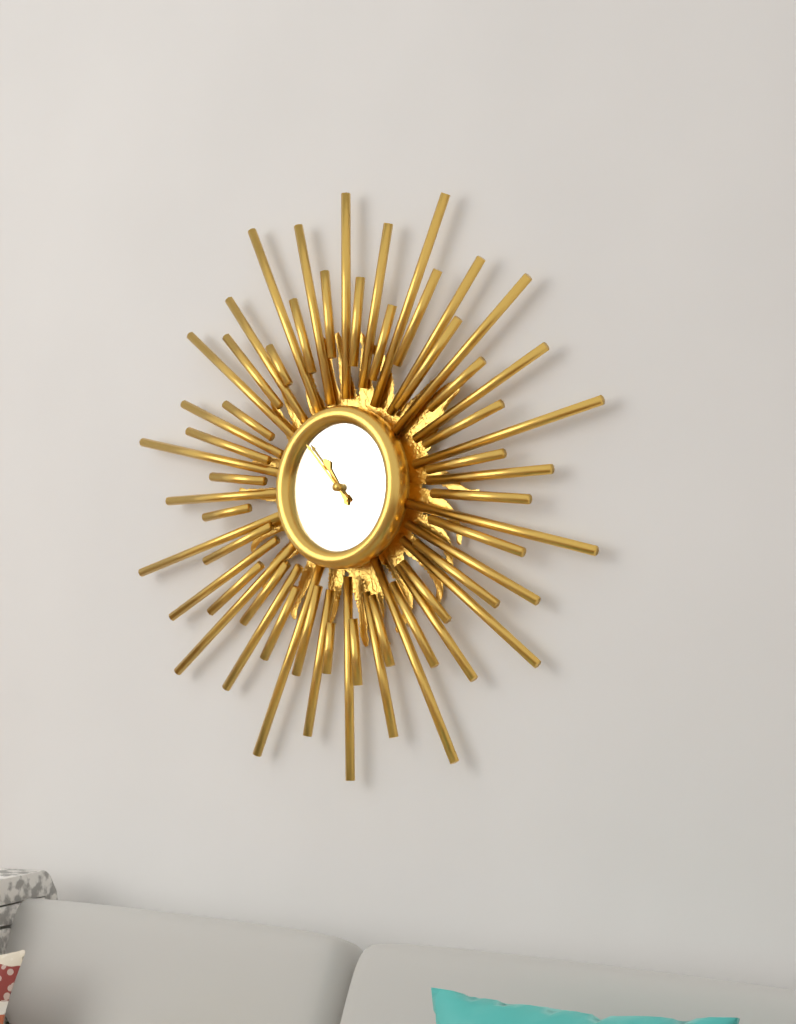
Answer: 10,53
